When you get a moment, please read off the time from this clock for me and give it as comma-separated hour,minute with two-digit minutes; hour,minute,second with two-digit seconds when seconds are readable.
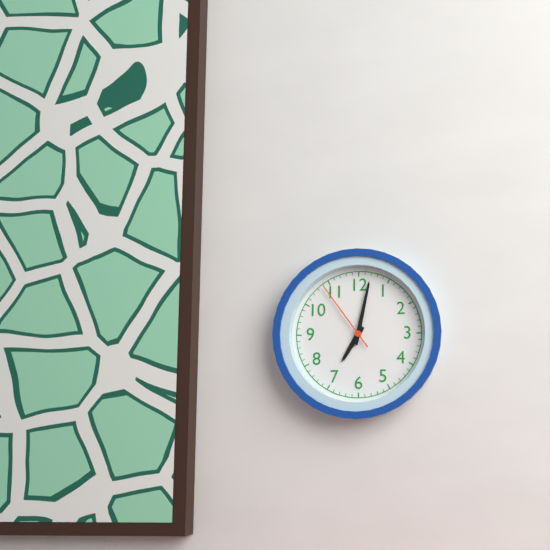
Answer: 7,02,54
